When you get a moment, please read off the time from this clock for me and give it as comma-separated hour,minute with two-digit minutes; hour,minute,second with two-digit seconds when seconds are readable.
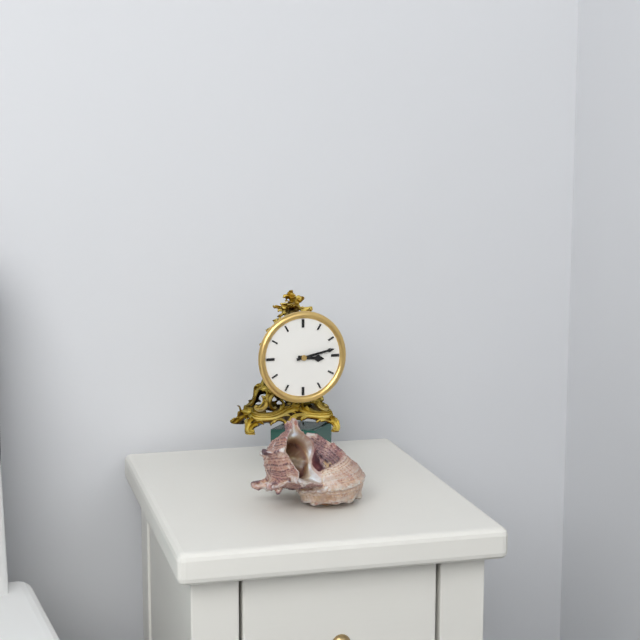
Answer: 3,13
